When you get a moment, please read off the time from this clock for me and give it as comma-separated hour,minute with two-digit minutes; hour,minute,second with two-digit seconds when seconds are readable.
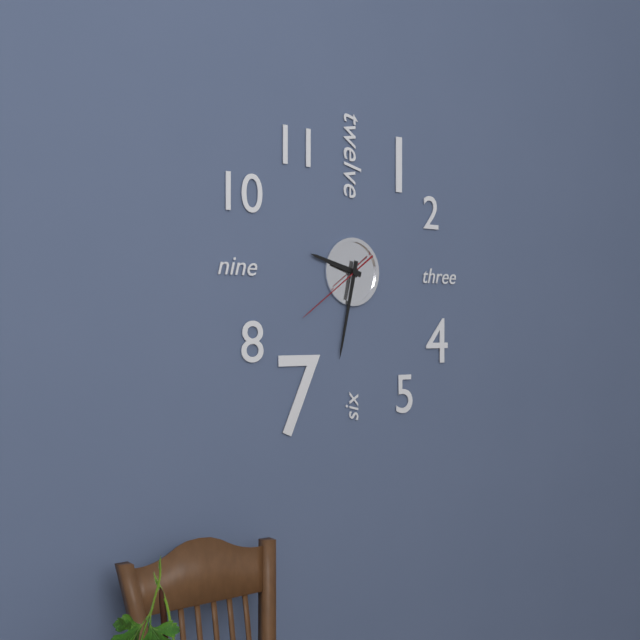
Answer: 9,32,39
